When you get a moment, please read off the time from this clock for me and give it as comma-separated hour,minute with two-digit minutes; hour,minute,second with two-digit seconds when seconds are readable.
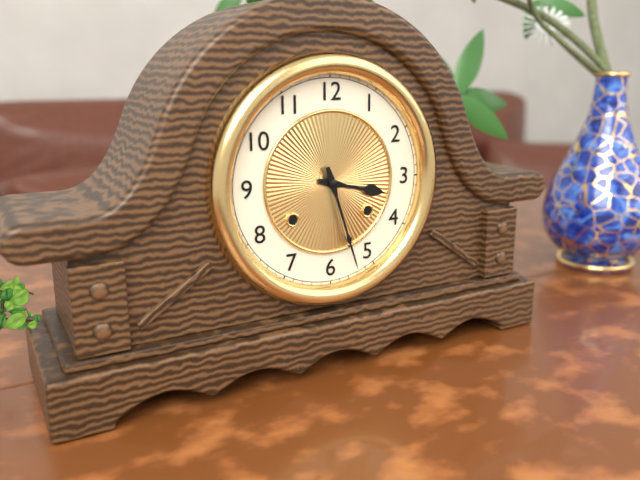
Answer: 3,27
